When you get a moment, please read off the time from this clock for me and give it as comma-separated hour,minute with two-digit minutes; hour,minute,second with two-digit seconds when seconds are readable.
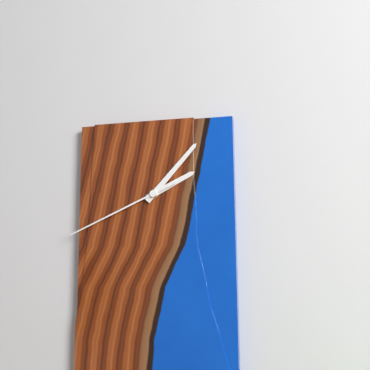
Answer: 2,07,41
